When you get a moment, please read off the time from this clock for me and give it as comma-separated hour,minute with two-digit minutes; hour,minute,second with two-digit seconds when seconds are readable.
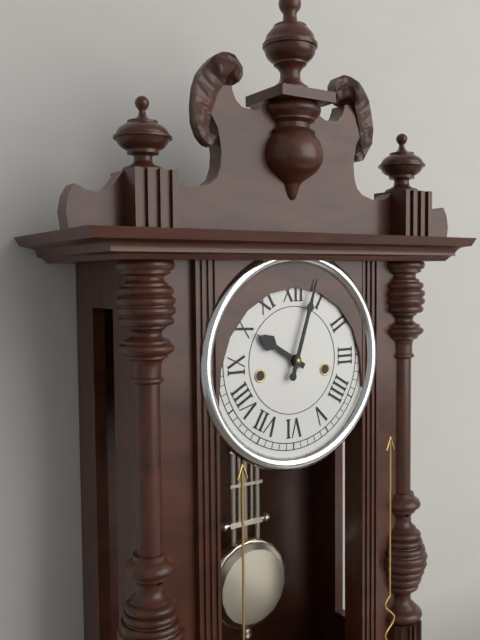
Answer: 10,03
